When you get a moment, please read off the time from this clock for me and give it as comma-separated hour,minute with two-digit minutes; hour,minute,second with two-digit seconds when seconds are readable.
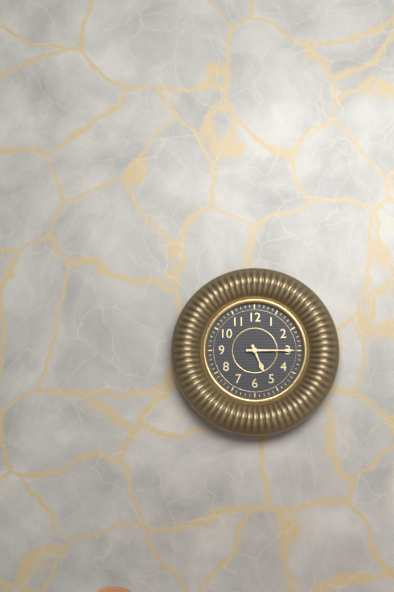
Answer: 5,15
